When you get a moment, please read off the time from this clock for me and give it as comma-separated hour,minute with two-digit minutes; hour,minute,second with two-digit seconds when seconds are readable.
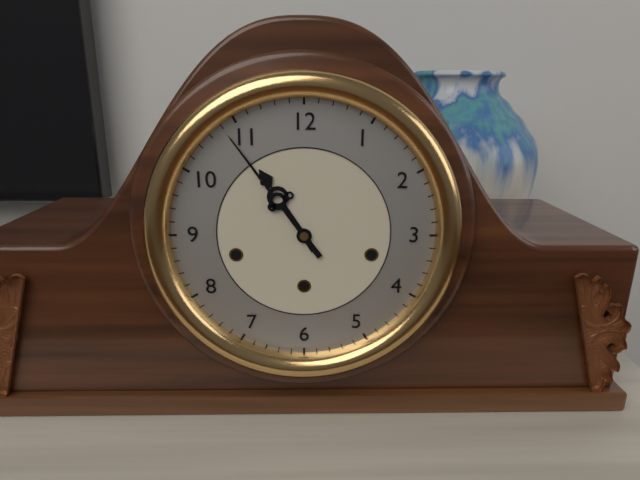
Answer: 10,54
